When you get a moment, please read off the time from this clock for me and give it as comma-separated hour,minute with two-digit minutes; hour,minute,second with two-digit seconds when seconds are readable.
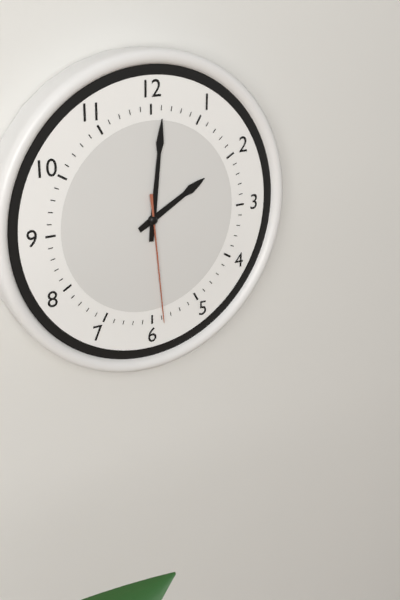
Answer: 2,01,29
